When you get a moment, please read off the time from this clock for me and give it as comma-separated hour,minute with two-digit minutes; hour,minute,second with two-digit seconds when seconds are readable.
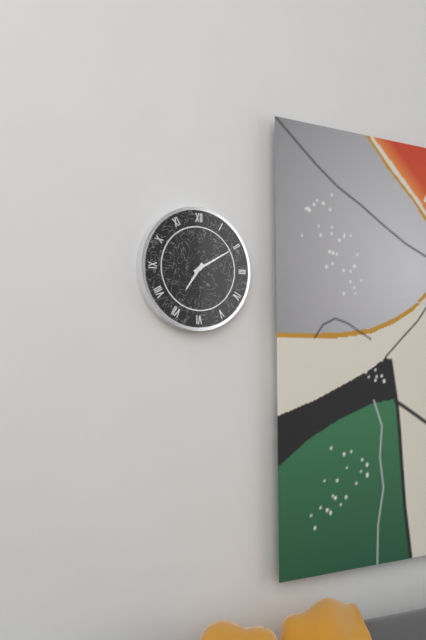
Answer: 7,10
